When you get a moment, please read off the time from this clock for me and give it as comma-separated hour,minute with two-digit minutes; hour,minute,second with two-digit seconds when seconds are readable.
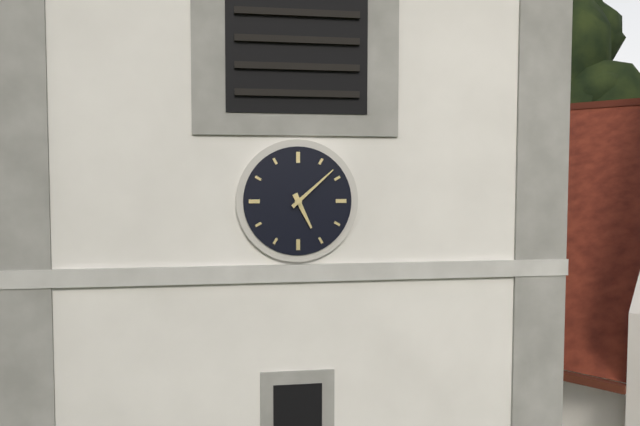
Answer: 5,08
